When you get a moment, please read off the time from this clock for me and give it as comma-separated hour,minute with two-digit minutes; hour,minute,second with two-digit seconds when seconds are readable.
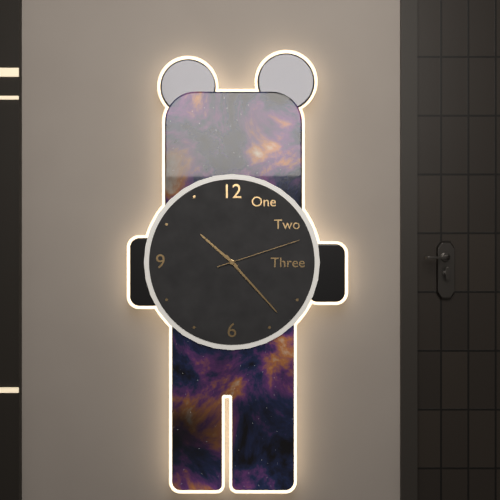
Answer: 10,23,12
